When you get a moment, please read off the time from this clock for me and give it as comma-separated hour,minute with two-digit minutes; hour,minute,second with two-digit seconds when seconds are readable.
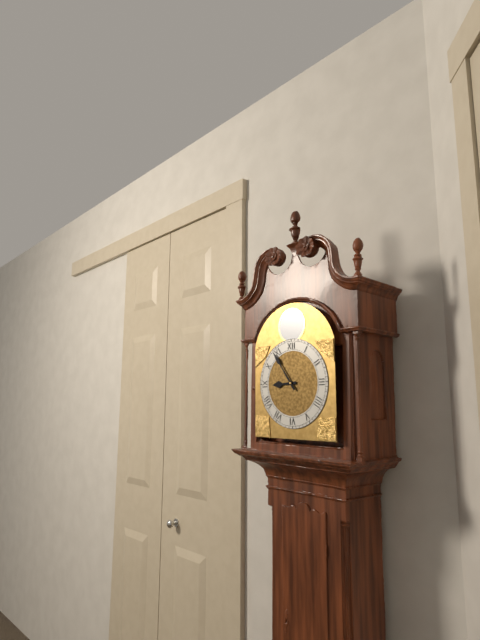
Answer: 8,54
